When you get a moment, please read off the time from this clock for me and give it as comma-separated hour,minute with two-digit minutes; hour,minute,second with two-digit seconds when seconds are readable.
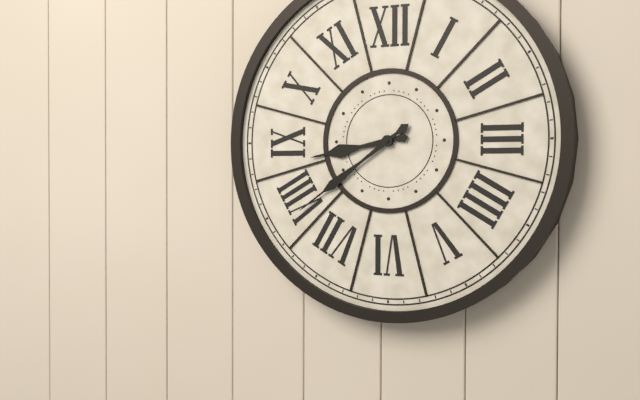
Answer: 8,39
